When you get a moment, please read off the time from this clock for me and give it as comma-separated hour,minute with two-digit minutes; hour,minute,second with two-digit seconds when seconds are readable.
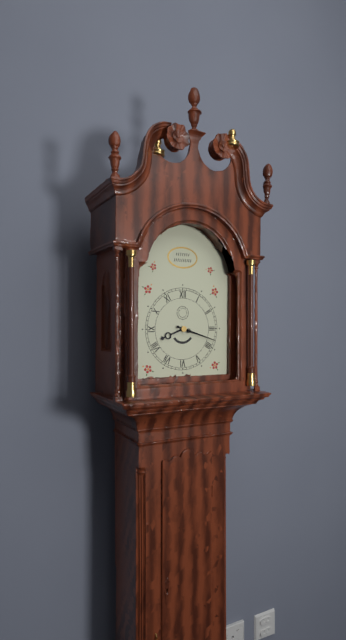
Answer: 8,18
